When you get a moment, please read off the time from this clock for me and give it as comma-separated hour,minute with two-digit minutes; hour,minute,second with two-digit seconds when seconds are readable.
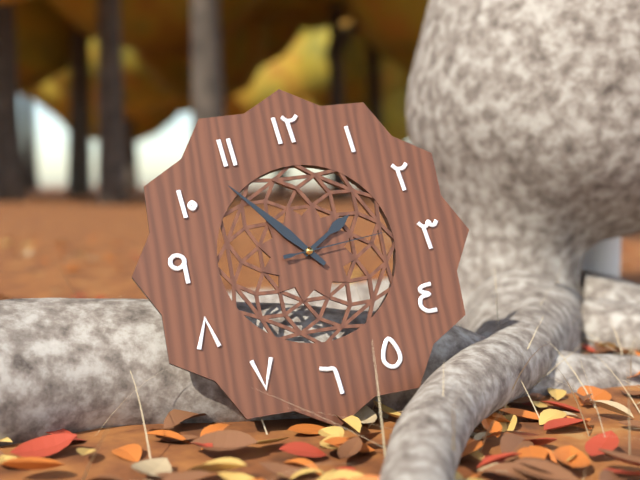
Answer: 1,53,14
